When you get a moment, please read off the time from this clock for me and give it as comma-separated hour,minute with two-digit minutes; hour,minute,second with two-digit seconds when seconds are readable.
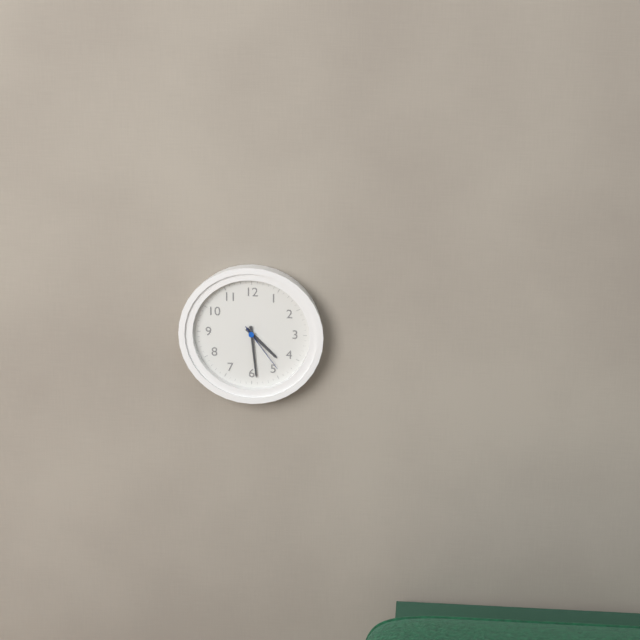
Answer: 4,29,24
